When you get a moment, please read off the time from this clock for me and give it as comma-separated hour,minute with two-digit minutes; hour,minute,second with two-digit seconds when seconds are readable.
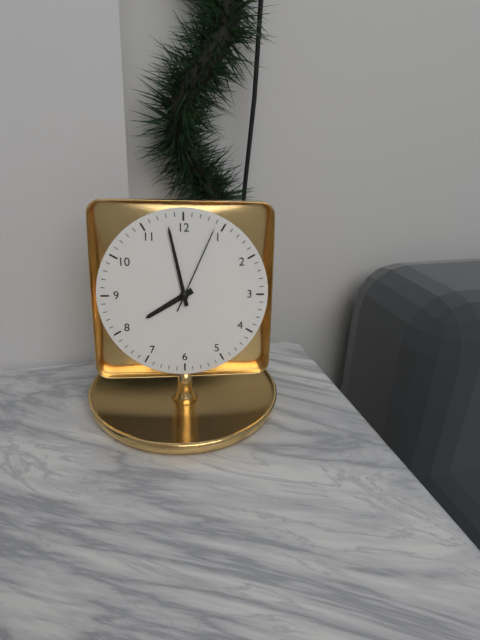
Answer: 7,58,04
